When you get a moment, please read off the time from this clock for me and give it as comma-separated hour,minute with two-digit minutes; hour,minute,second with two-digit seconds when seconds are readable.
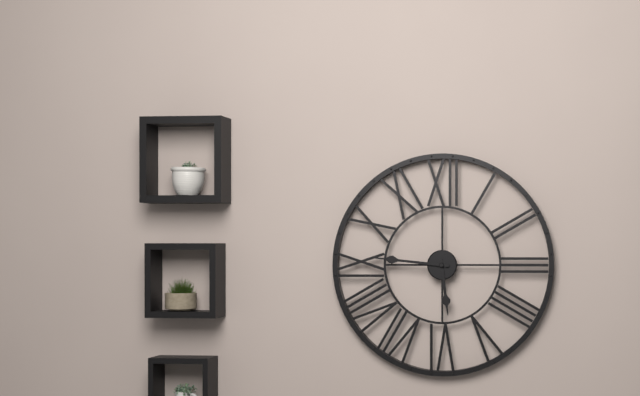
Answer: 5,46
